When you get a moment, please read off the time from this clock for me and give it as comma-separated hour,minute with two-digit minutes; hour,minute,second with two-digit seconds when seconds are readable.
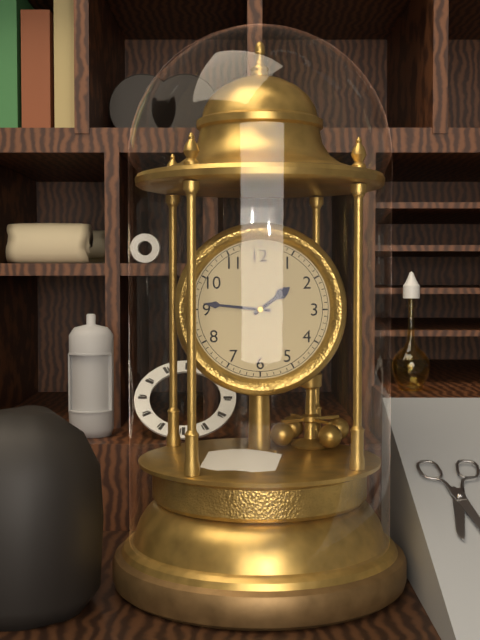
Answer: 1,46
